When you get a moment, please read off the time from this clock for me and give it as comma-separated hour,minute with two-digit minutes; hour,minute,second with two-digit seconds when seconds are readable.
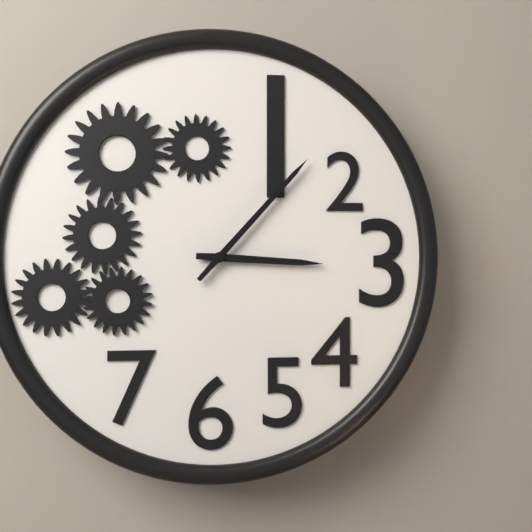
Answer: 3,07
